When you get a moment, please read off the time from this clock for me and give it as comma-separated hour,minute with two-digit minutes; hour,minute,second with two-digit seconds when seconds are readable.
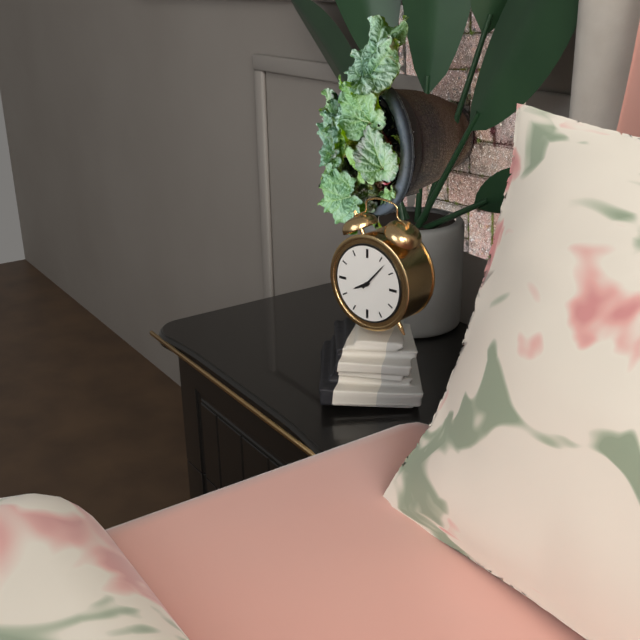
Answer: 8,07
